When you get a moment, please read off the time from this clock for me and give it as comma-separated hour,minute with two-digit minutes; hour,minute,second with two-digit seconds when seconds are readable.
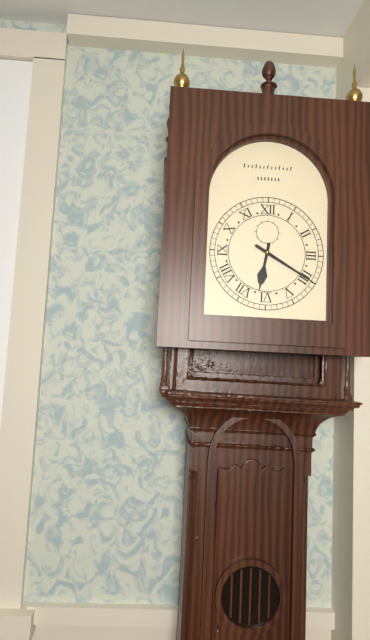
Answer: 6,20
